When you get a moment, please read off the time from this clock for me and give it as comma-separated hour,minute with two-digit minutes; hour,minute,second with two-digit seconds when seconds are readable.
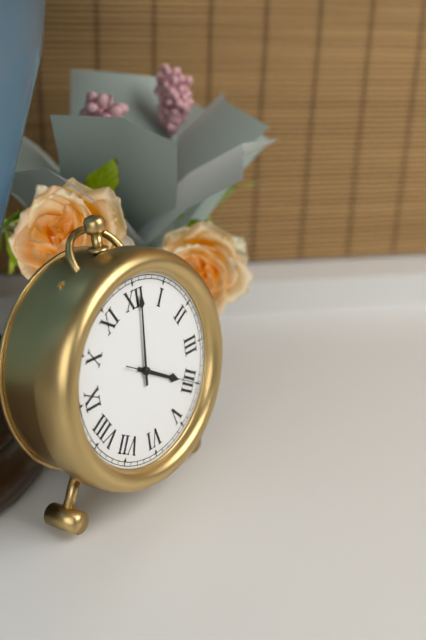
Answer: 4,01,20
